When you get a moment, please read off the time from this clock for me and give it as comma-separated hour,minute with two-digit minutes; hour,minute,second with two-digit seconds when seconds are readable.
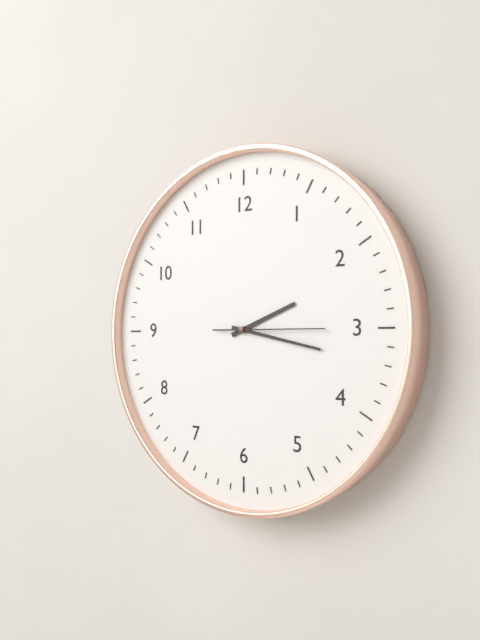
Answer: 2,17,15
